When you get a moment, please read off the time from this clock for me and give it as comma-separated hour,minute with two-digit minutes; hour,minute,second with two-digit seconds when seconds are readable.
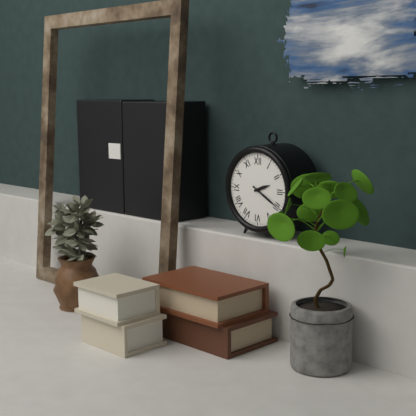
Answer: 2,20
